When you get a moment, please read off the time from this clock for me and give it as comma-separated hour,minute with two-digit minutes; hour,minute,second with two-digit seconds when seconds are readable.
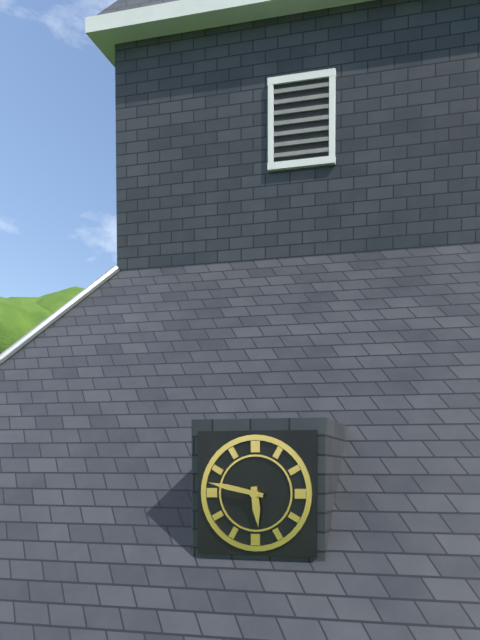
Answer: 5,47
